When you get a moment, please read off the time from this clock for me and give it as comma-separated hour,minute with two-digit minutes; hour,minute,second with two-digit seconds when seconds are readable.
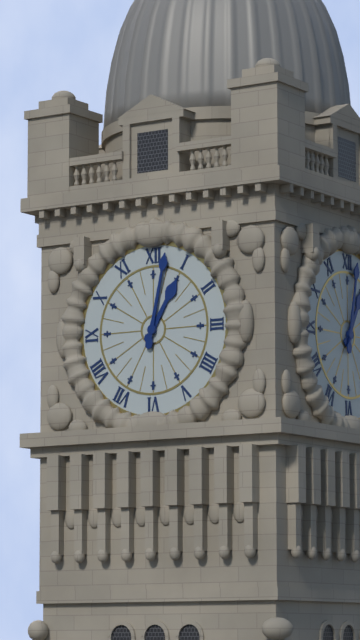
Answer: 1,02
